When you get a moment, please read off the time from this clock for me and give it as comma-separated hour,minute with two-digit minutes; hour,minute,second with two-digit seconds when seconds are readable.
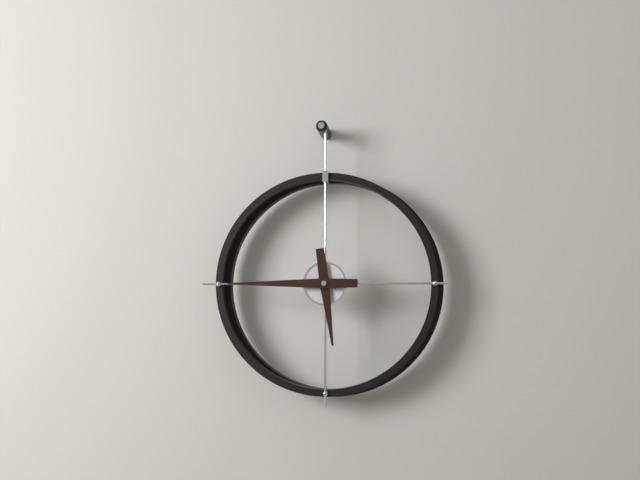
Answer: 5,45
